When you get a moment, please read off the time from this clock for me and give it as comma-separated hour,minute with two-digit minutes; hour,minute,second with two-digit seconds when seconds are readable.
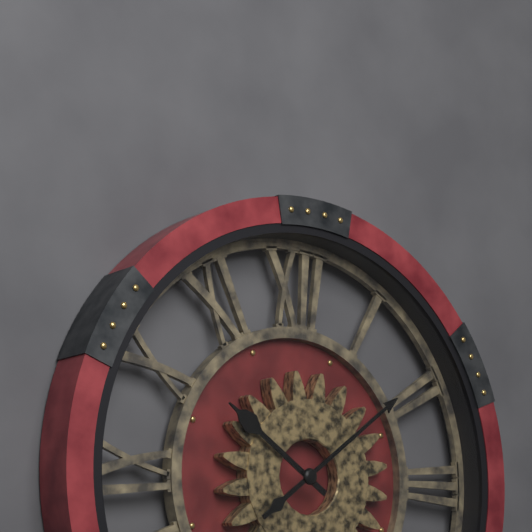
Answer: 10,09
